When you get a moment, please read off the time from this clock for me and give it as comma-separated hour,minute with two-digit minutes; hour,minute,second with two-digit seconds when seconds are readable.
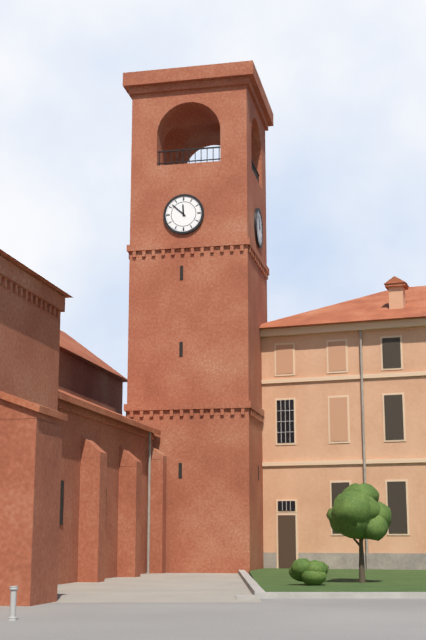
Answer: 11,52
